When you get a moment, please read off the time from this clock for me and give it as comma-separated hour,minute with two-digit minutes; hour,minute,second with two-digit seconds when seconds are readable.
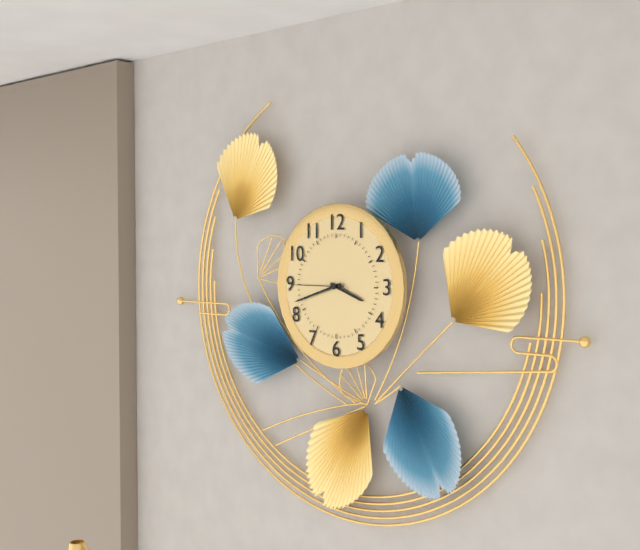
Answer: 3,42,45
